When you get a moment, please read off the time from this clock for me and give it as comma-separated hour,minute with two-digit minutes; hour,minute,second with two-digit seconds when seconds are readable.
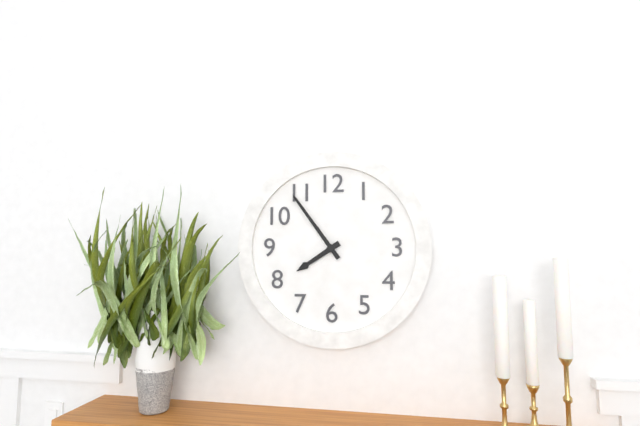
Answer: 7,54
